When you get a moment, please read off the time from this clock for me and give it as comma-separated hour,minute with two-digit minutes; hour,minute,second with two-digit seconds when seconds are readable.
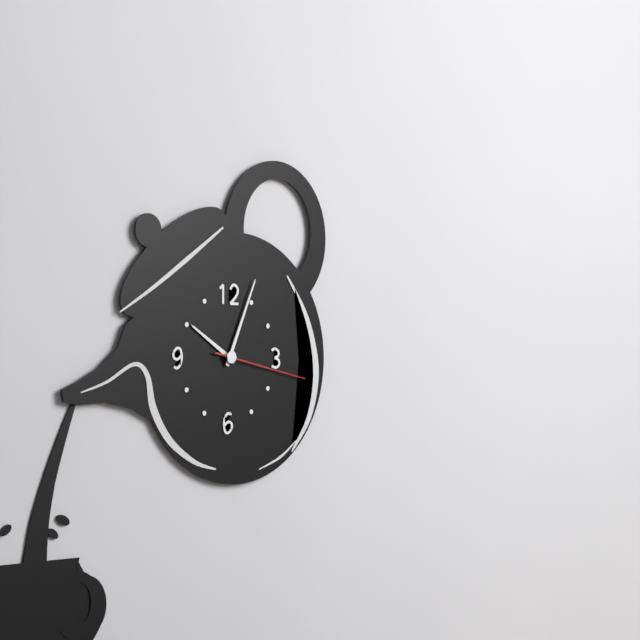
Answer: 10,04,17
